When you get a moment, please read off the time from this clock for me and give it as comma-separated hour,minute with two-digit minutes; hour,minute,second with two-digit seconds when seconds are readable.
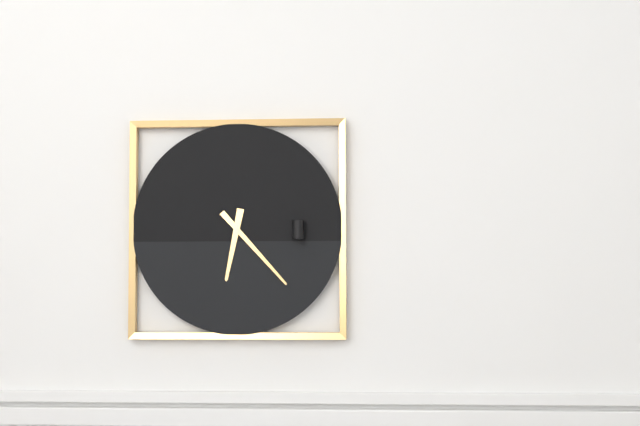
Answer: 6,23
